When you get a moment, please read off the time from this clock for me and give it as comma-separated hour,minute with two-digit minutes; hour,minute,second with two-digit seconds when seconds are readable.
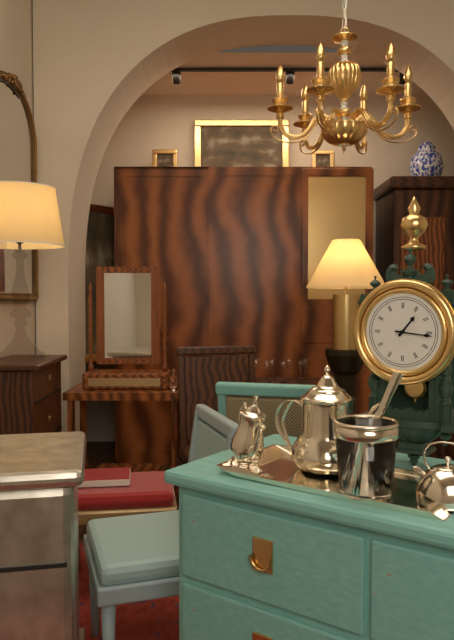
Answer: 1,16
